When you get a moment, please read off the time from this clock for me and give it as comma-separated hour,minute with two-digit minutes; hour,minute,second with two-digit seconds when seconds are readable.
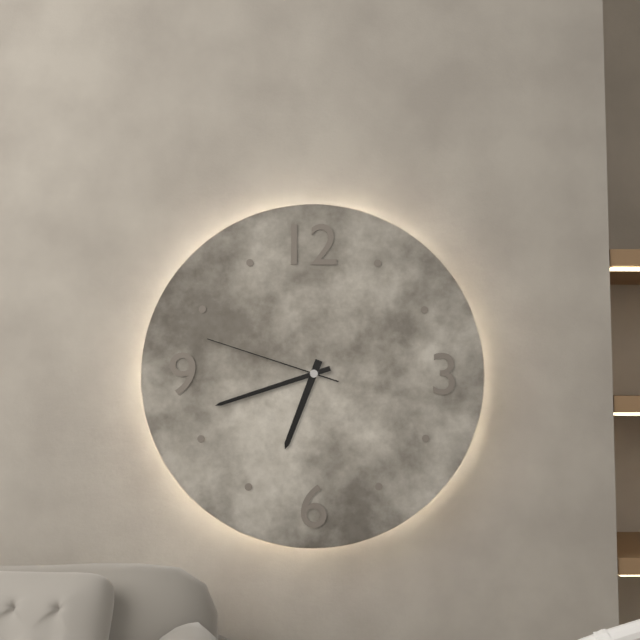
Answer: 6,42,48
